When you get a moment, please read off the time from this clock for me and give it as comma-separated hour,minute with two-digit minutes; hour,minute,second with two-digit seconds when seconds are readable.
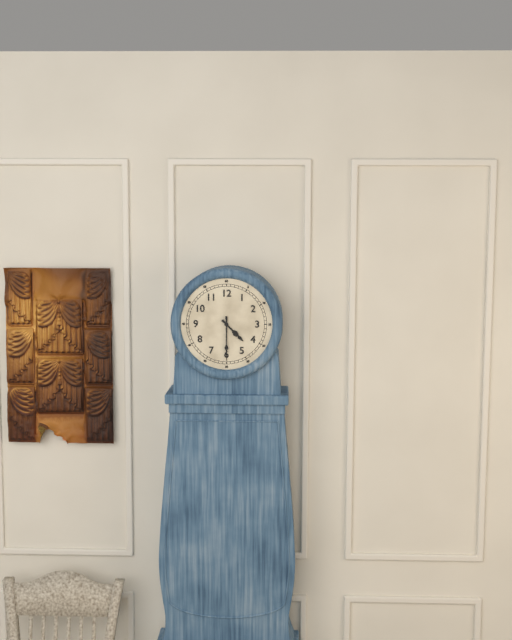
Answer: 4,30
